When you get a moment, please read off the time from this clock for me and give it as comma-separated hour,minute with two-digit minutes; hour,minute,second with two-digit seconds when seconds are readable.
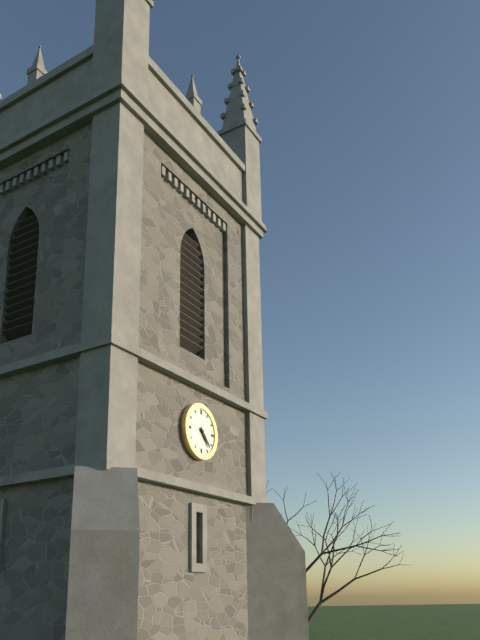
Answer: 4,23
